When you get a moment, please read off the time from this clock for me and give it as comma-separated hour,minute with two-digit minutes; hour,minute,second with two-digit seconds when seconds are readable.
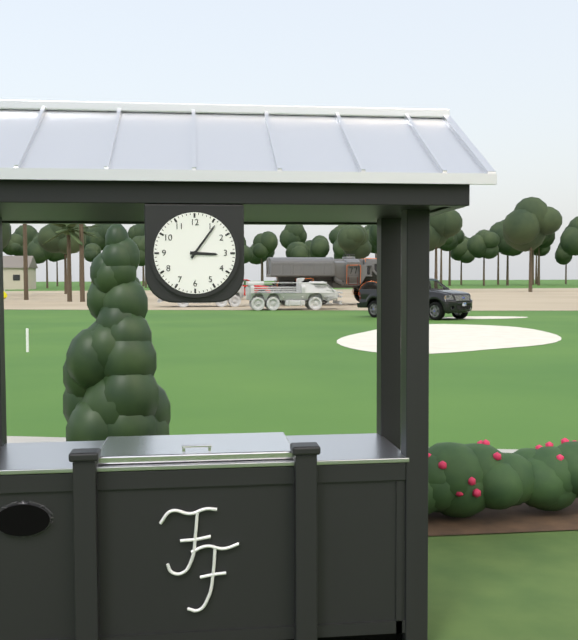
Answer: 3,06
